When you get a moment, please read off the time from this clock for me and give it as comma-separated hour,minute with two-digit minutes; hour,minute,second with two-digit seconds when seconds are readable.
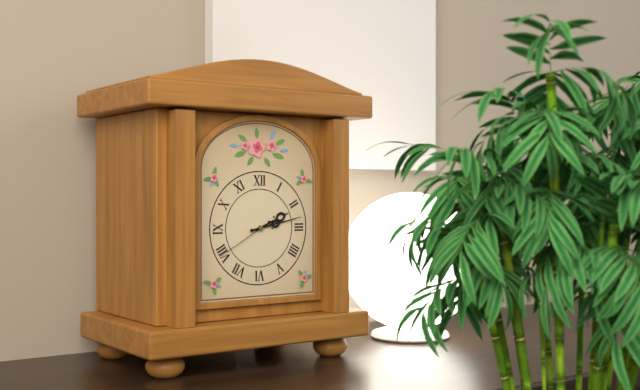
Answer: 2,13
